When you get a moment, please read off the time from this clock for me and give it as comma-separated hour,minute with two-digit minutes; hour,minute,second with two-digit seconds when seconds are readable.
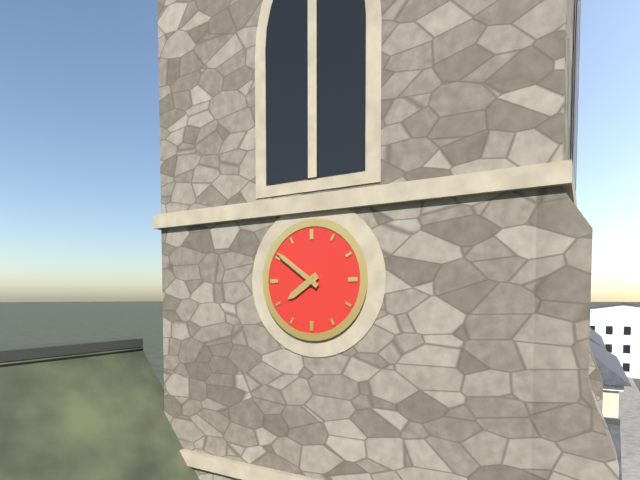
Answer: 7,51
